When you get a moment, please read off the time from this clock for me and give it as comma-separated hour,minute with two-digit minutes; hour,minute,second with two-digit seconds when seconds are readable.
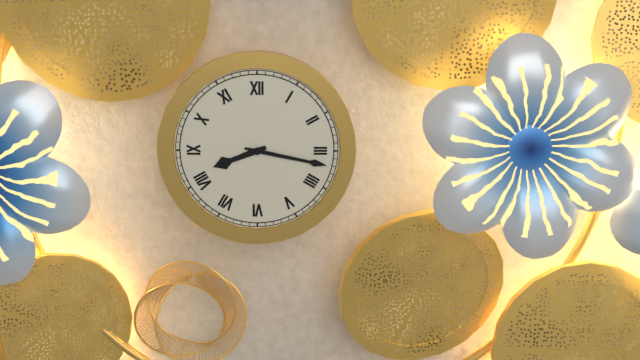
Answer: 8,17
